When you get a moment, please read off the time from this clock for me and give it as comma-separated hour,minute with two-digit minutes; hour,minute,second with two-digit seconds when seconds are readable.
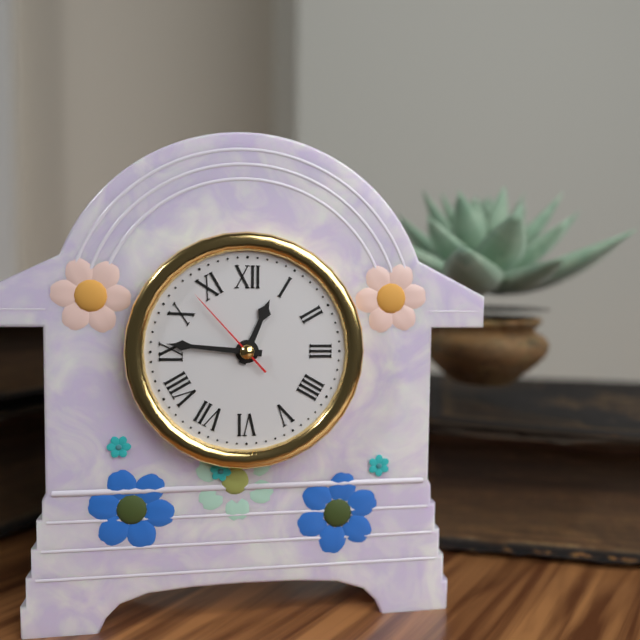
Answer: 12,46,53
